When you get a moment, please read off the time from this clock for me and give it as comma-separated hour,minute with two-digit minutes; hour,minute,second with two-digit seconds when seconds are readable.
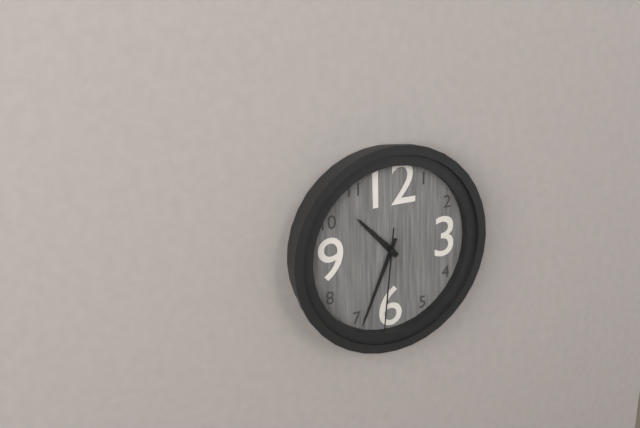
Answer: 10,34,31
